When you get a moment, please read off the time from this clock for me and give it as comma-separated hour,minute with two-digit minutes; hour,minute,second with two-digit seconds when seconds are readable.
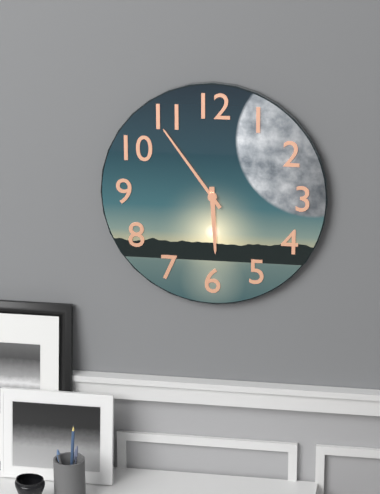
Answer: 5,54
